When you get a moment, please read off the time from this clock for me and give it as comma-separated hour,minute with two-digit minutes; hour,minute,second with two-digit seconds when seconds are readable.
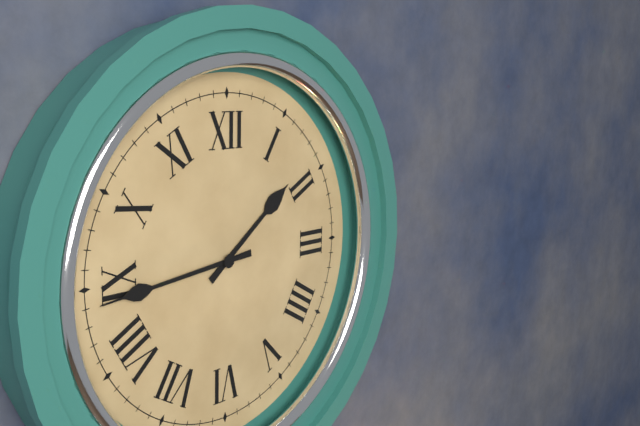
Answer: 1,44
